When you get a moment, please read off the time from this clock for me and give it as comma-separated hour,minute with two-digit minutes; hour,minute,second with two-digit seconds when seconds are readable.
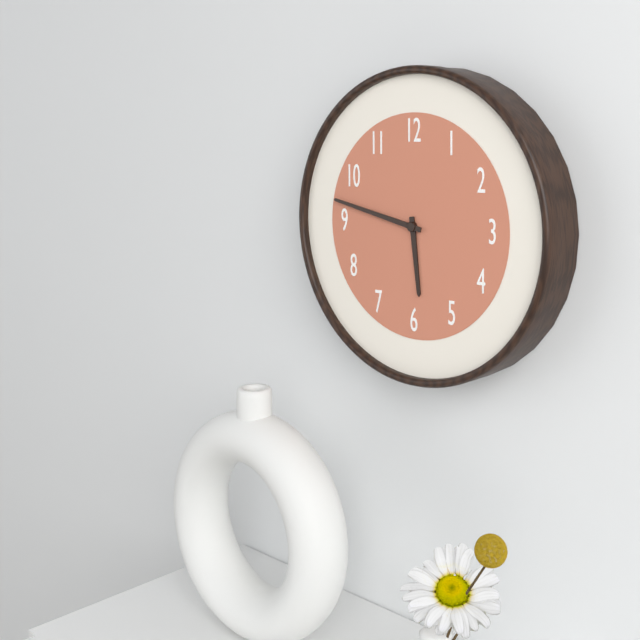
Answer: 5,47
